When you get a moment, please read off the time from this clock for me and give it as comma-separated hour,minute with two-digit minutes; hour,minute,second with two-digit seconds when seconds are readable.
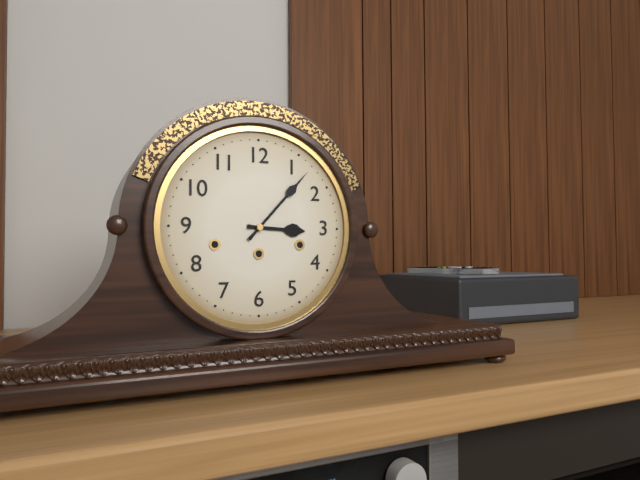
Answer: 3,07
